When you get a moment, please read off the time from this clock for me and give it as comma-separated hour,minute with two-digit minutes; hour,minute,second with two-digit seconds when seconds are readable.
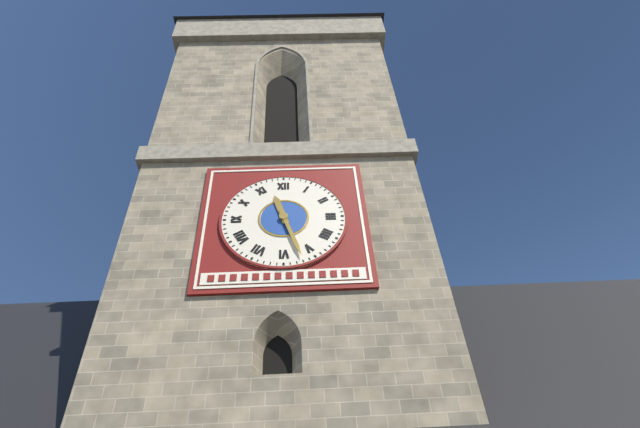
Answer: 11,27
